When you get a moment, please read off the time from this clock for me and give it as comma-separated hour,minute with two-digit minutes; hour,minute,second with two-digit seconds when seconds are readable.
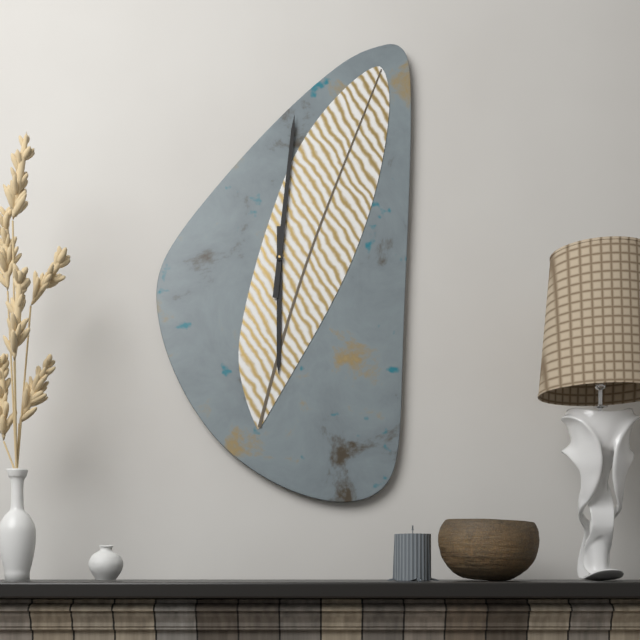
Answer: 6,01
